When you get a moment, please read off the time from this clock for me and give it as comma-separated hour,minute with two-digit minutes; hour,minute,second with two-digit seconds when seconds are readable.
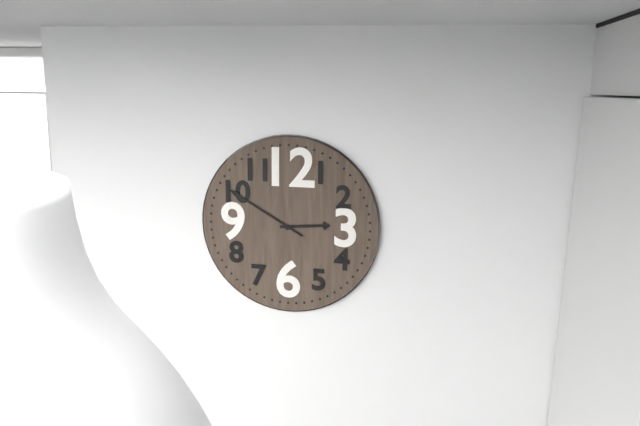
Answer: 2,50
